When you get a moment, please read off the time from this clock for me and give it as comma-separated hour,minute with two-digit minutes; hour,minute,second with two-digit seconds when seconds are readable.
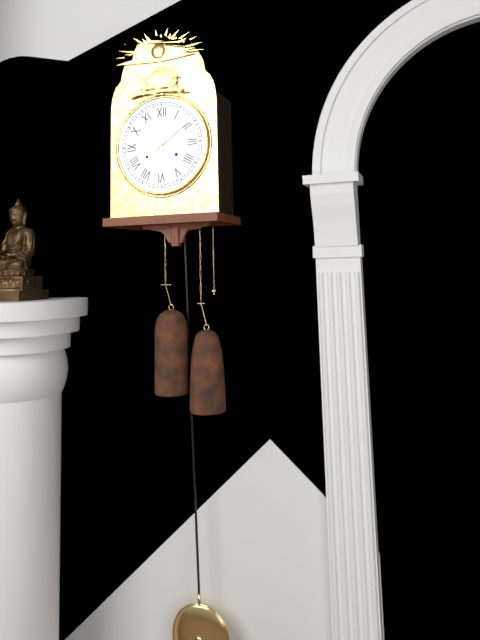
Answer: 11,09
